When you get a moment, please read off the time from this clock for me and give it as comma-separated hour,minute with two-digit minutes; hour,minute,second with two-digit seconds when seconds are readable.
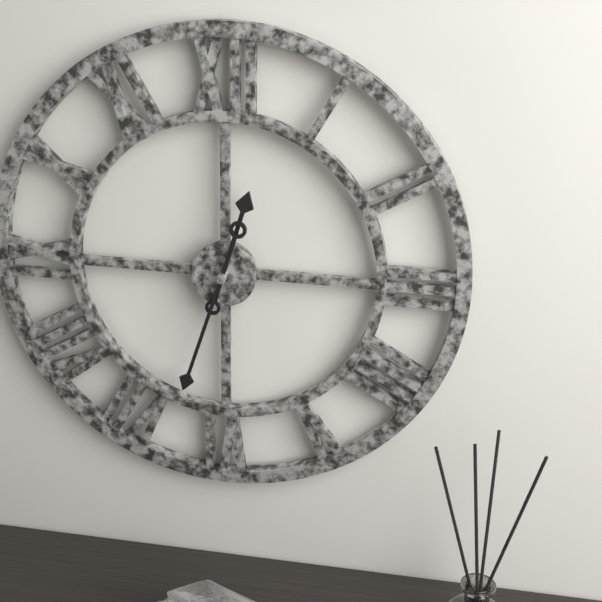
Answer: 12,33
